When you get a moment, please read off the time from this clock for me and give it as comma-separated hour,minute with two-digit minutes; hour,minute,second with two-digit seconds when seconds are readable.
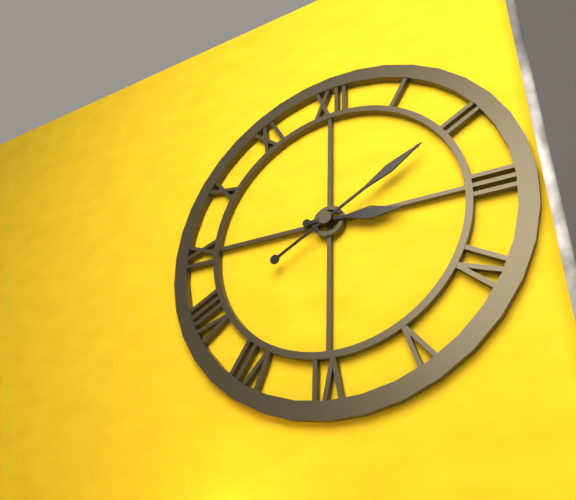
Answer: 3,10
